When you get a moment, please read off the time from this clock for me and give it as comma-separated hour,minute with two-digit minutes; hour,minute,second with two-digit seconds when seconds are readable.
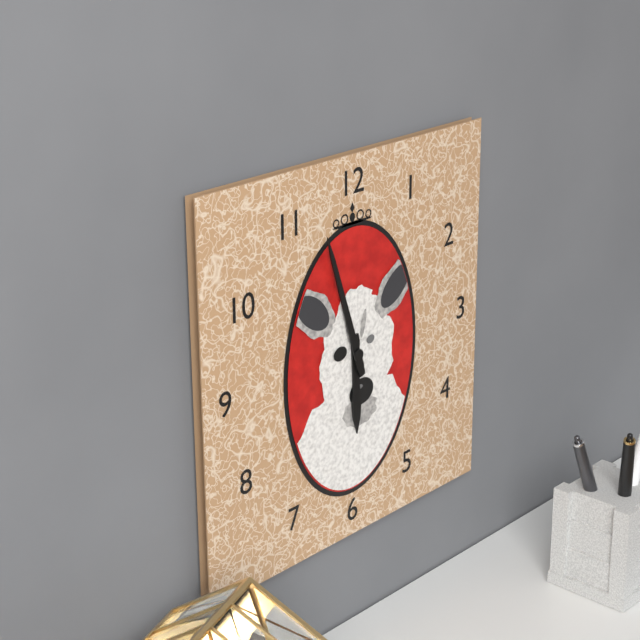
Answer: 5,57
